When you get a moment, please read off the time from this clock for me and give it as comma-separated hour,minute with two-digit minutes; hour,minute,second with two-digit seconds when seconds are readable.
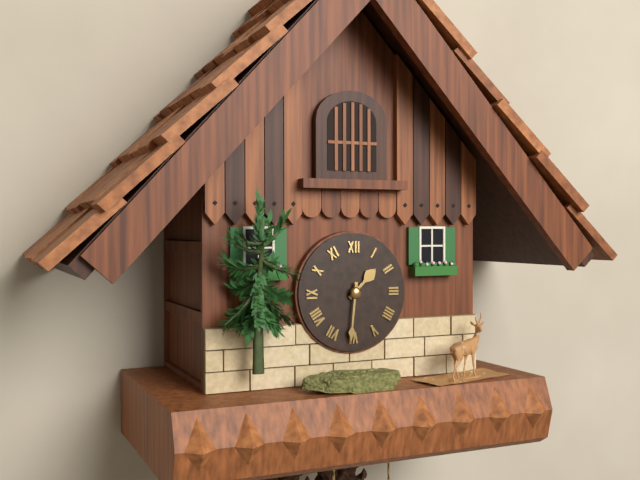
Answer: 1,31
